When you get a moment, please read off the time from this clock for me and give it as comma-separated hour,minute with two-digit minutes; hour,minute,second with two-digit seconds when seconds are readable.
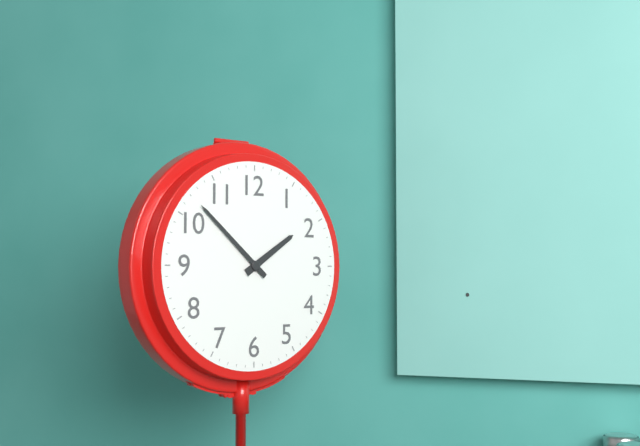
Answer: 1,52
